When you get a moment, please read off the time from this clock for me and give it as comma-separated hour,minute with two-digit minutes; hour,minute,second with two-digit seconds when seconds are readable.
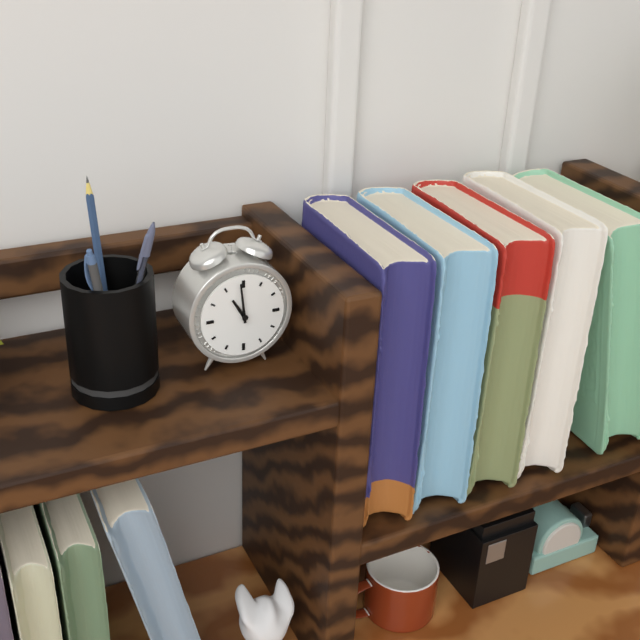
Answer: 10,59
